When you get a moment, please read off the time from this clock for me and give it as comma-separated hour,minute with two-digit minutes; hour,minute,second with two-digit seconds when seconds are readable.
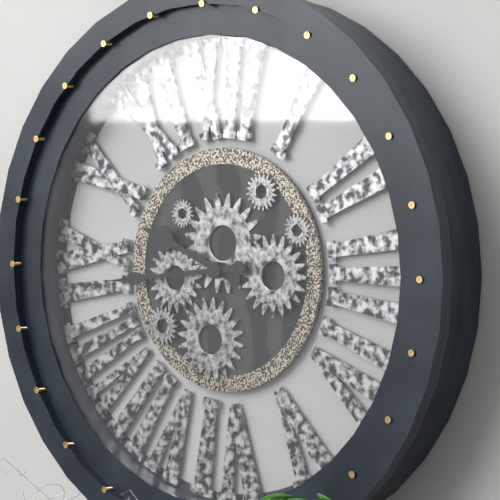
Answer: 9,44
